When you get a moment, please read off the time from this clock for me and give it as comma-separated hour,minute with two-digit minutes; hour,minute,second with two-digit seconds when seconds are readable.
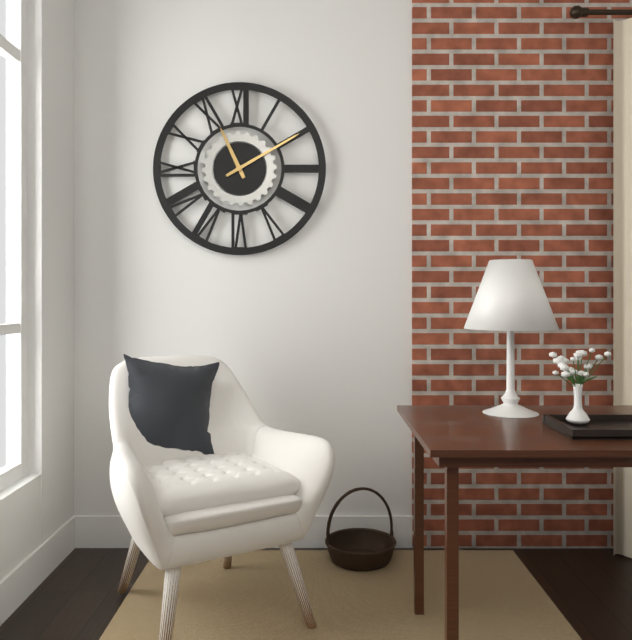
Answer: 11,10
